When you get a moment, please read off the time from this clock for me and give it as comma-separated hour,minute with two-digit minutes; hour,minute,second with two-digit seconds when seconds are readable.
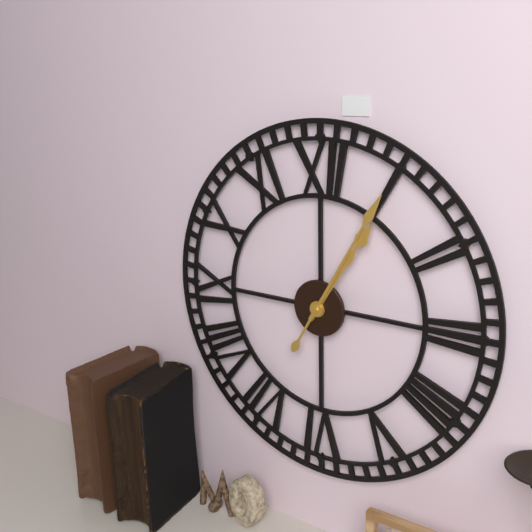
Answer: 1,05
